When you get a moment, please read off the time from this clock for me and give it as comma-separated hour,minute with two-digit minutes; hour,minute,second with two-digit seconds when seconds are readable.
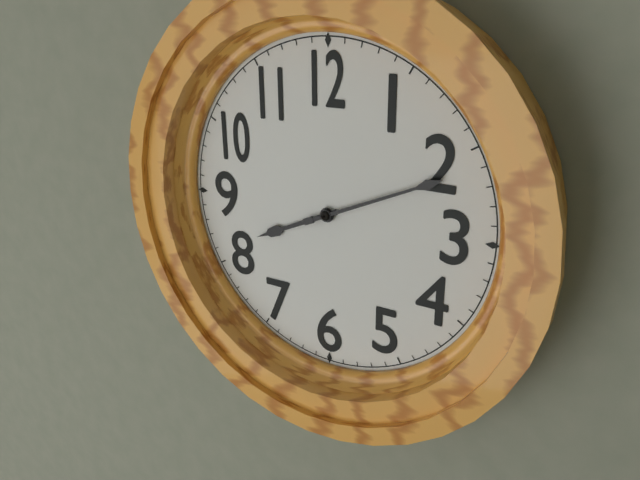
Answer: 8,11
